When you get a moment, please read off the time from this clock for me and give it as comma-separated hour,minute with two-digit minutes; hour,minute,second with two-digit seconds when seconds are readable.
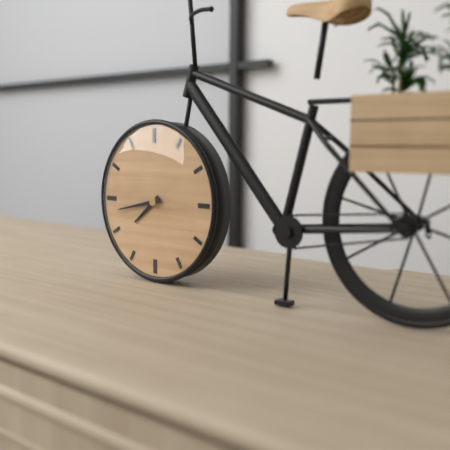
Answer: 7,43
